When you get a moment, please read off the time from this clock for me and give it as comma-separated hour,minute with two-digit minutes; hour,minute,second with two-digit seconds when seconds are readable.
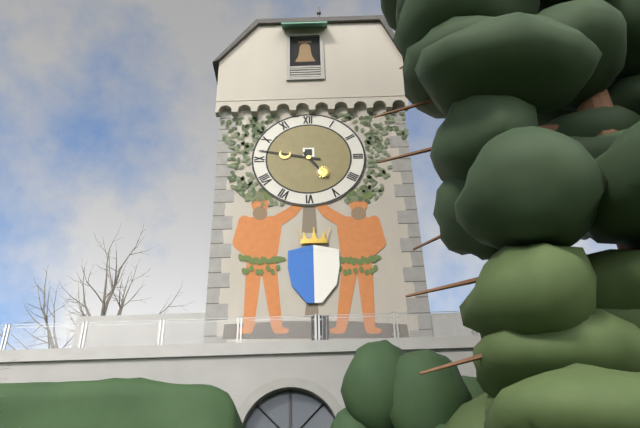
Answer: 4,47
